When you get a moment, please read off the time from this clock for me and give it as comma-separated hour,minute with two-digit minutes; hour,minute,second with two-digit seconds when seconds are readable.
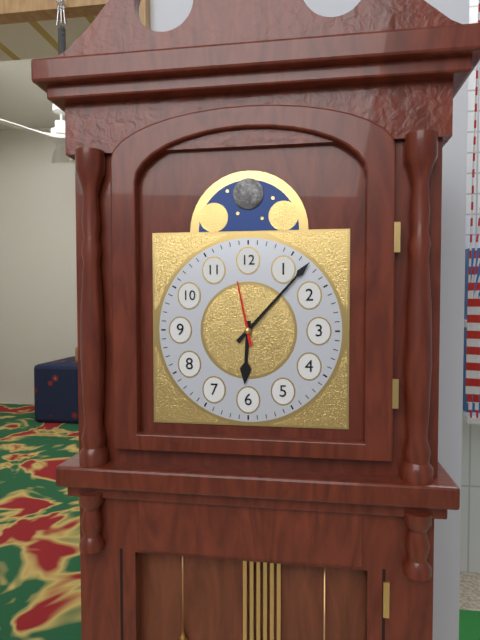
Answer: 6,07,58
